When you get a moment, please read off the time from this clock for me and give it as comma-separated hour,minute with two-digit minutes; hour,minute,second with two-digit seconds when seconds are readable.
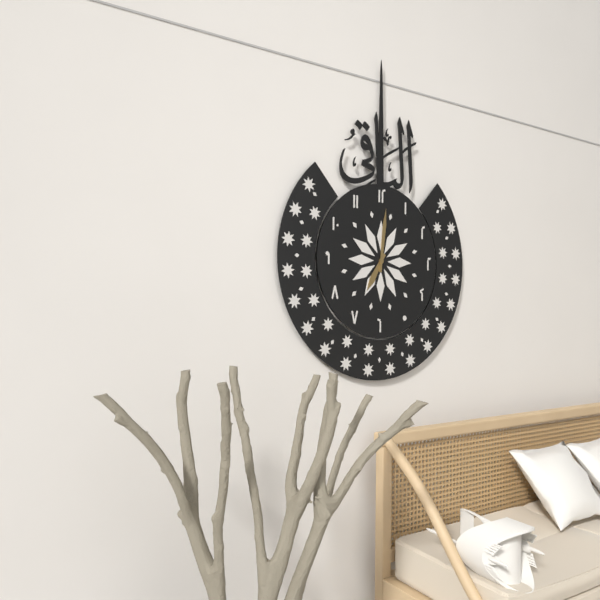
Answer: 7,01
